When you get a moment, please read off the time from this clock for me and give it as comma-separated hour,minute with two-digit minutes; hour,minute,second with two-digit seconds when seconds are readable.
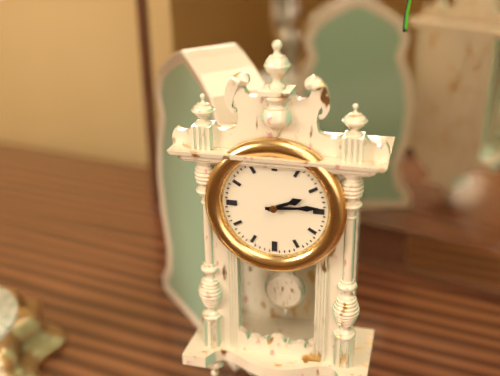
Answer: 2,14
